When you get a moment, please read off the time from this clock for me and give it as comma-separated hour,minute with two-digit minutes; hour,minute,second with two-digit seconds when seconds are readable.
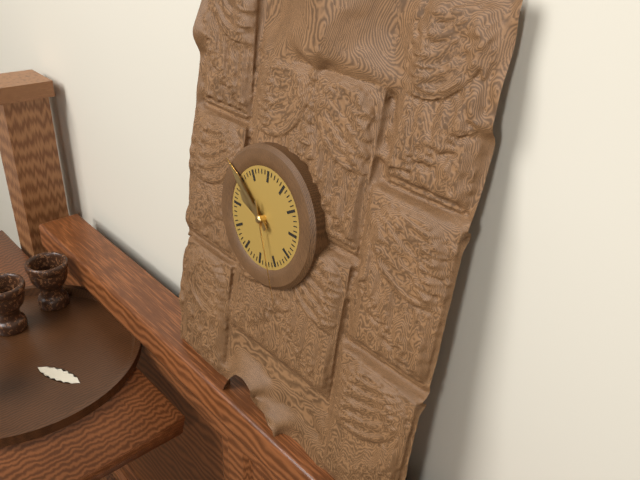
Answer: 9,51,26
